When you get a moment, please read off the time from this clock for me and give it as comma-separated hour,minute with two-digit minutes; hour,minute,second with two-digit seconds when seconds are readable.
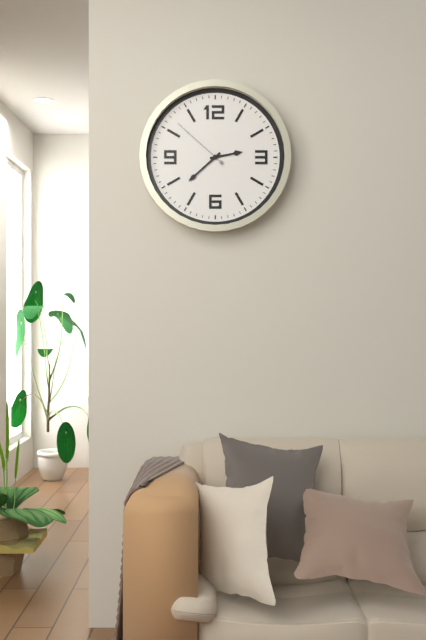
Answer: 2,38,52
